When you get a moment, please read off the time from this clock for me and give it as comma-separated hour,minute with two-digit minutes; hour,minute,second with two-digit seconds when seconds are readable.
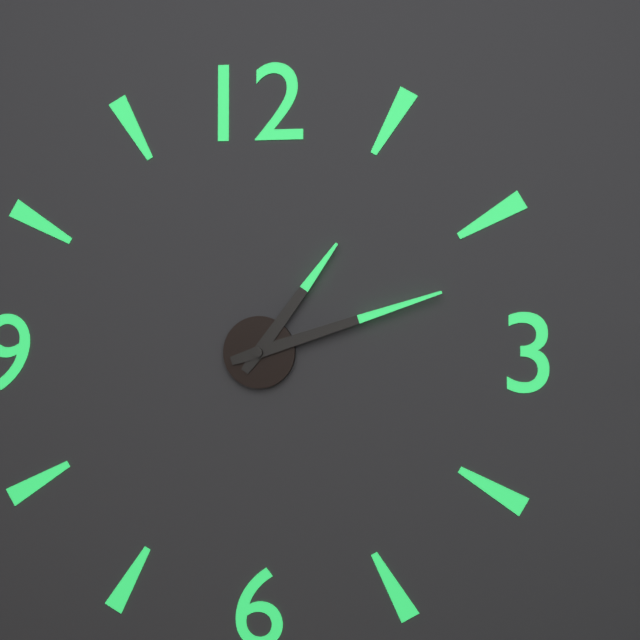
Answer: 1,12
